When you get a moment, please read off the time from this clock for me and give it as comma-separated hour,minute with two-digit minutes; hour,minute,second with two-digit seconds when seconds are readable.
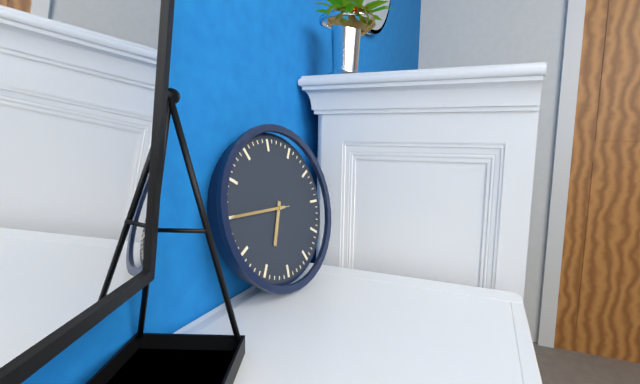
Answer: 6,45,45
